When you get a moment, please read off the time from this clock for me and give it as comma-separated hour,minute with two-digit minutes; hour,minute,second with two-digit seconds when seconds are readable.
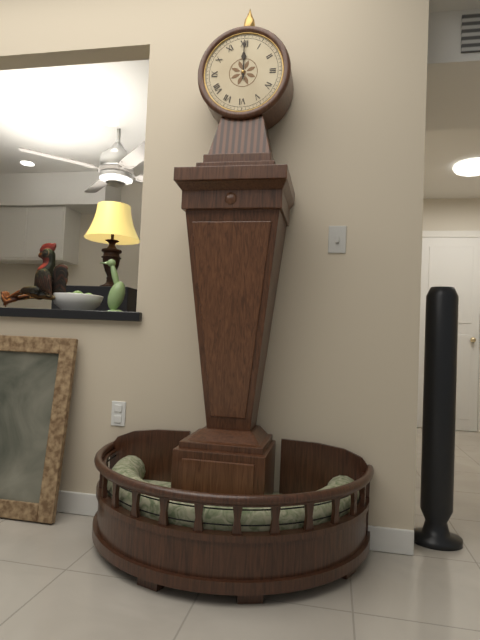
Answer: 12,00
